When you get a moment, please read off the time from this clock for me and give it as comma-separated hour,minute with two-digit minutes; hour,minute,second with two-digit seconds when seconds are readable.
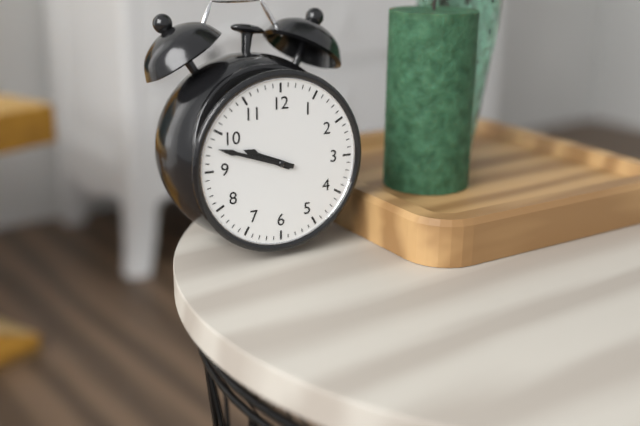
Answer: 9,48
